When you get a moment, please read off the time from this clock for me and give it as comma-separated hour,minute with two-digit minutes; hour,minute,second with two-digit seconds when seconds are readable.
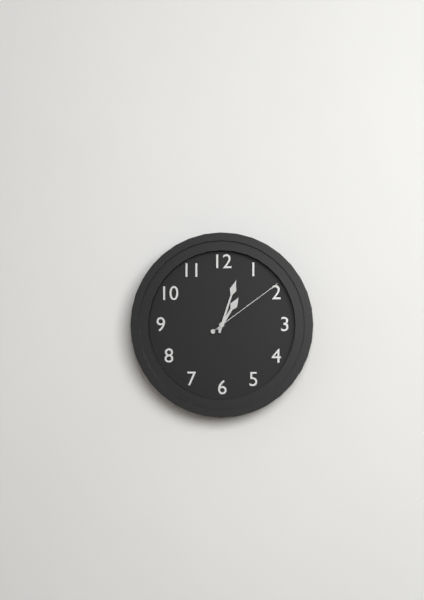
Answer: 1,03,09
